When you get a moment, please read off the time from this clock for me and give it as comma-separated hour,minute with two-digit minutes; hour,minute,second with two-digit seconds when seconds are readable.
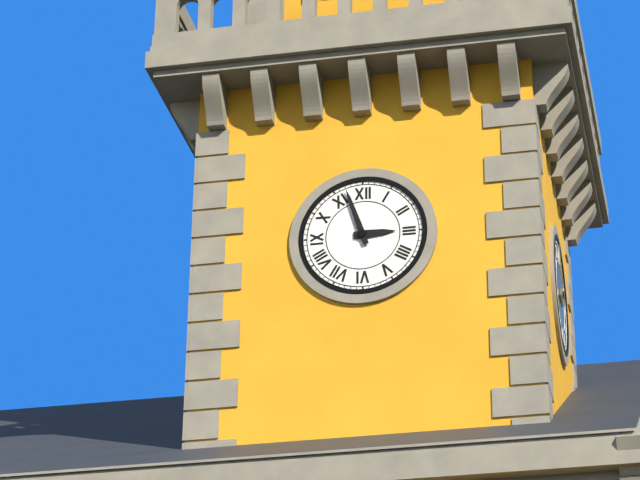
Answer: 2,57
